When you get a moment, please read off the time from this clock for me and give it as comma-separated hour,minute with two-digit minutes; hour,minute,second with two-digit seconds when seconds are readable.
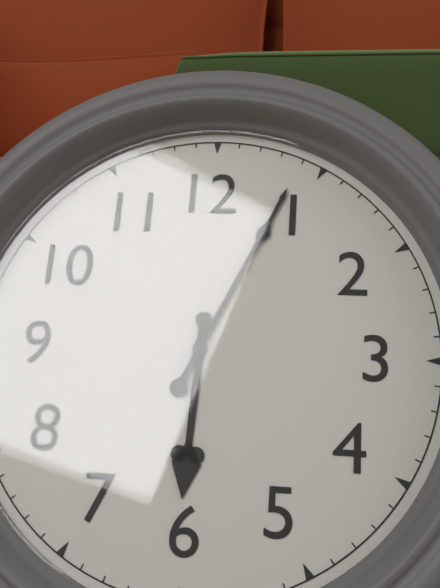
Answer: 6,04
